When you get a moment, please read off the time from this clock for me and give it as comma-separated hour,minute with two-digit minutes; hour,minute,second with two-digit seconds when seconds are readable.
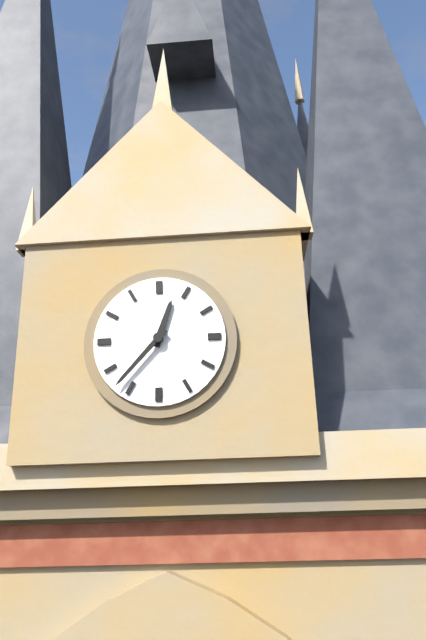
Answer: 12,37
